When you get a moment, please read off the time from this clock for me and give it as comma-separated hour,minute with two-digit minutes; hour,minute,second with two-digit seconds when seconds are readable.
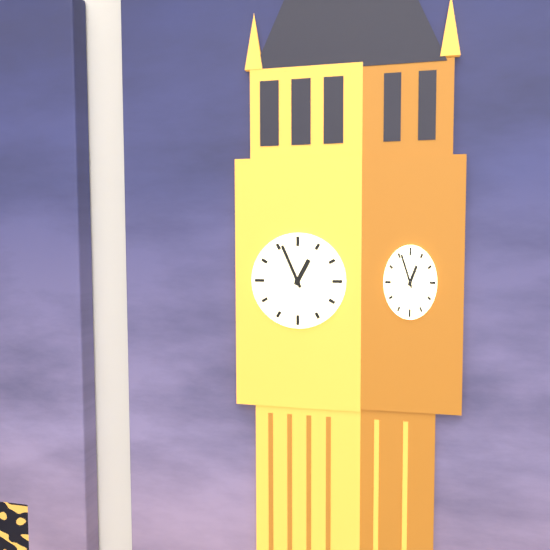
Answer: 12,56
